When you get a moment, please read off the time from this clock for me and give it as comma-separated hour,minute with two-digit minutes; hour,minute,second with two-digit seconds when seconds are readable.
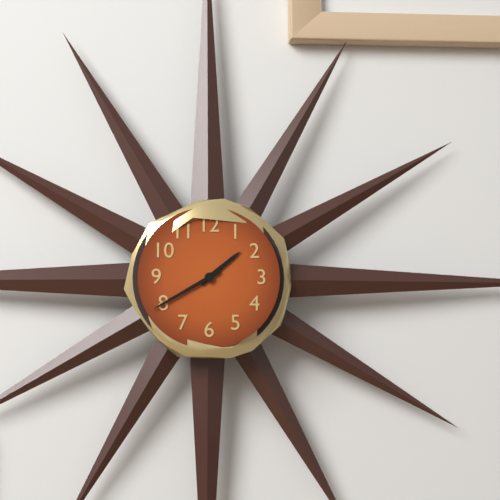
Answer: 1,40
